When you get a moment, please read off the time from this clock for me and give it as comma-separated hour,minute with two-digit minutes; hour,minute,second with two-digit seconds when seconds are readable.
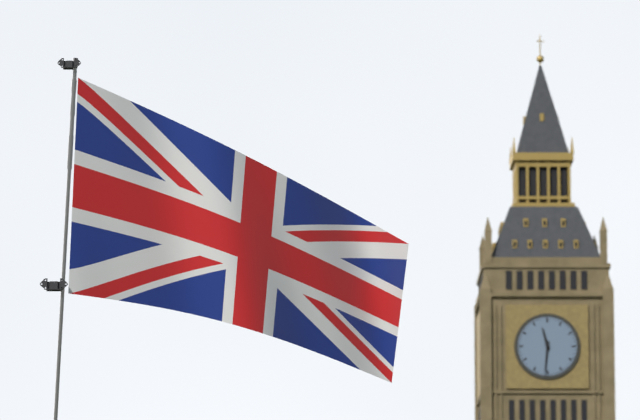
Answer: 11,31
